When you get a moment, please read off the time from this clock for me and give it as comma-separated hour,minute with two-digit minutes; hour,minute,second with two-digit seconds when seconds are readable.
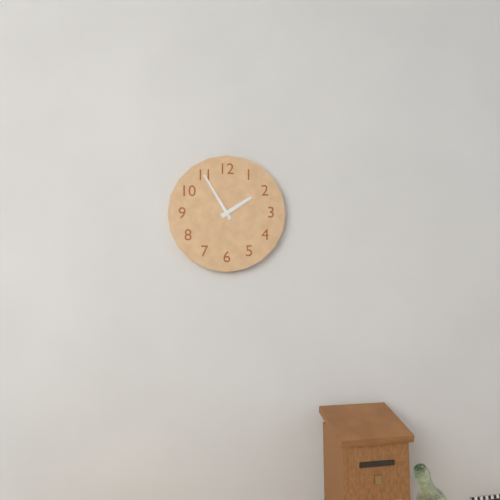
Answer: 1,55
